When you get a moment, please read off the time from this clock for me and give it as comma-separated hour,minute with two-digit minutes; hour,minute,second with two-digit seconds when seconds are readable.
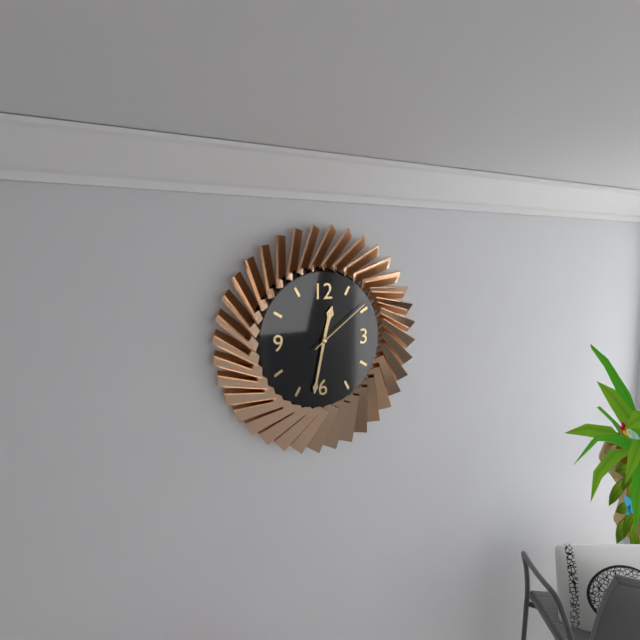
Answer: 12,32,09
